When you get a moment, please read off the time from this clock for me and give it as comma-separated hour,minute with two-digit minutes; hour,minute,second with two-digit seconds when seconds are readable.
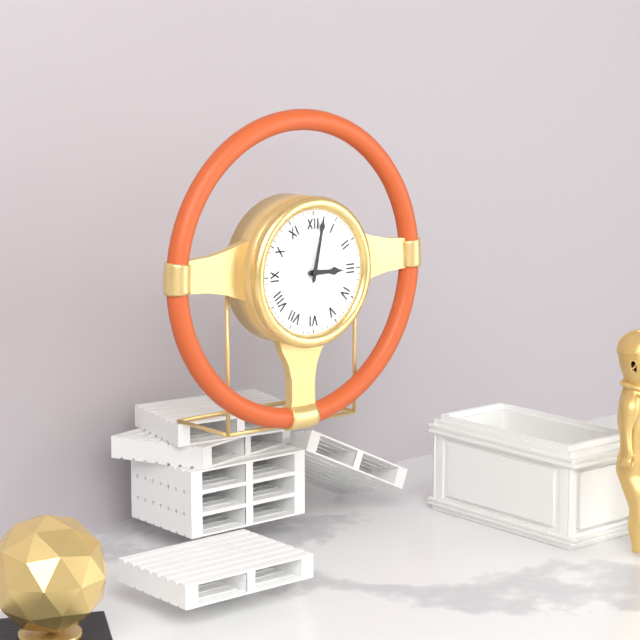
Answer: 3,02
